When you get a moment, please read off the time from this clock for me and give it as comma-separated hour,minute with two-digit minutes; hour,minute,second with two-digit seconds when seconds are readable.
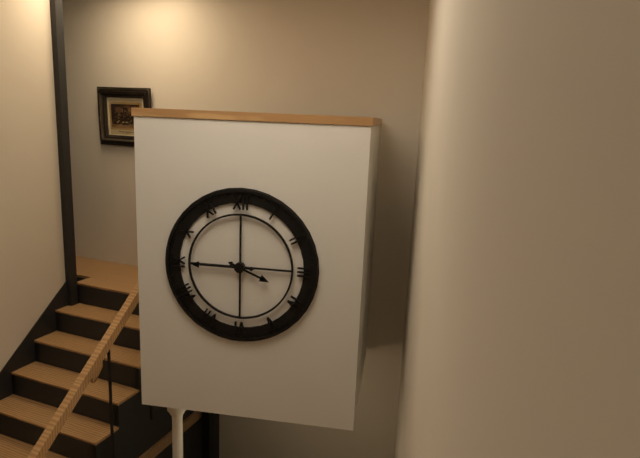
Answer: 3,45
